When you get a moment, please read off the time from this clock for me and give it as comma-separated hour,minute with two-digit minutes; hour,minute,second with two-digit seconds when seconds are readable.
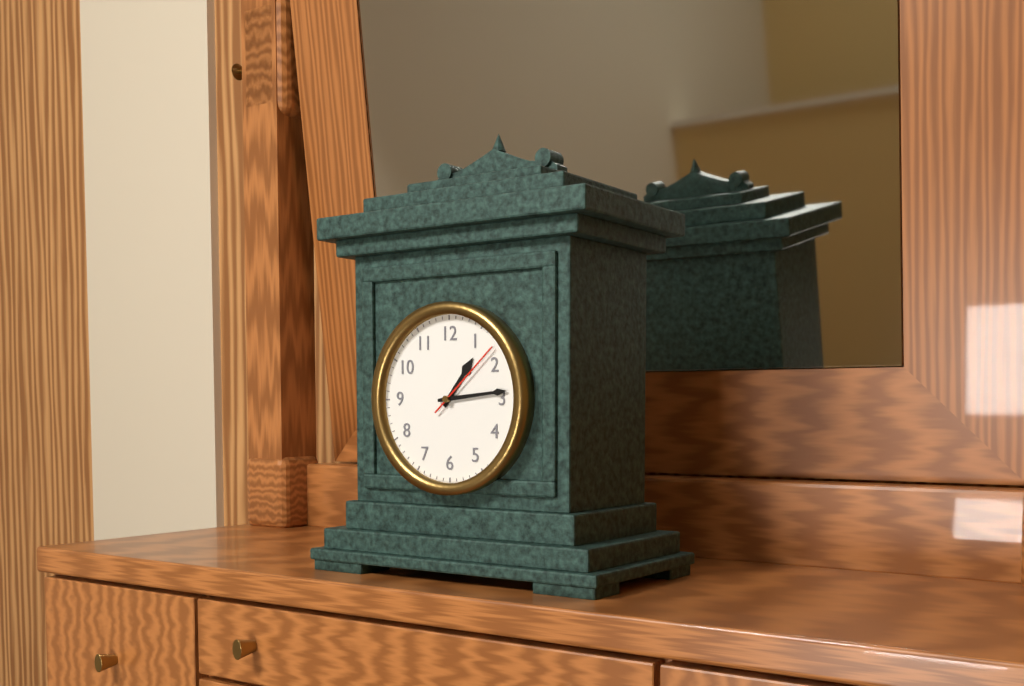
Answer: 1,14,08
